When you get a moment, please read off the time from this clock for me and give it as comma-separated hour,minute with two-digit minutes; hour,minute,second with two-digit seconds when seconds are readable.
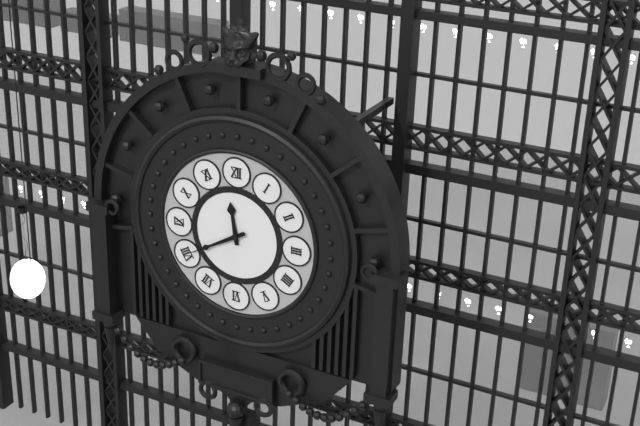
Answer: 11,40
